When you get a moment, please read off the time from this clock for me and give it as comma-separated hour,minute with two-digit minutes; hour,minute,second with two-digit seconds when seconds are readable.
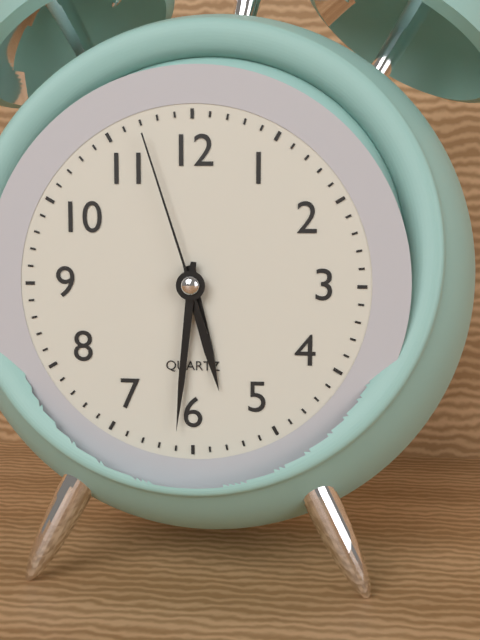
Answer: 5,31,57
